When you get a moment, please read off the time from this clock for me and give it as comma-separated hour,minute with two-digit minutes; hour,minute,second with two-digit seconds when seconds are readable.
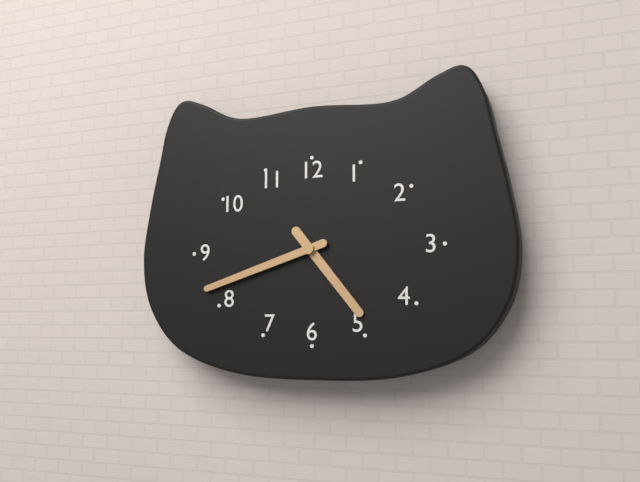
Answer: 4,42
